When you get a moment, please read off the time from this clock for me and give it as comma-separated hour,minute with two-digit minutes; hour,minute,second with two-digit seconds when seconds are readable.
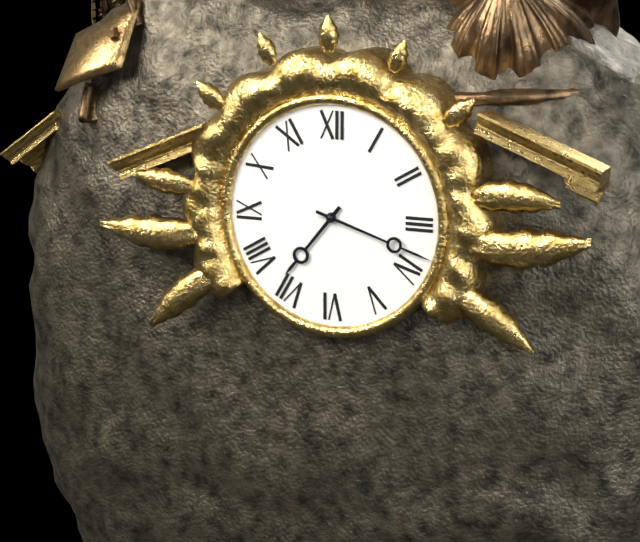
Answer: 7,18
